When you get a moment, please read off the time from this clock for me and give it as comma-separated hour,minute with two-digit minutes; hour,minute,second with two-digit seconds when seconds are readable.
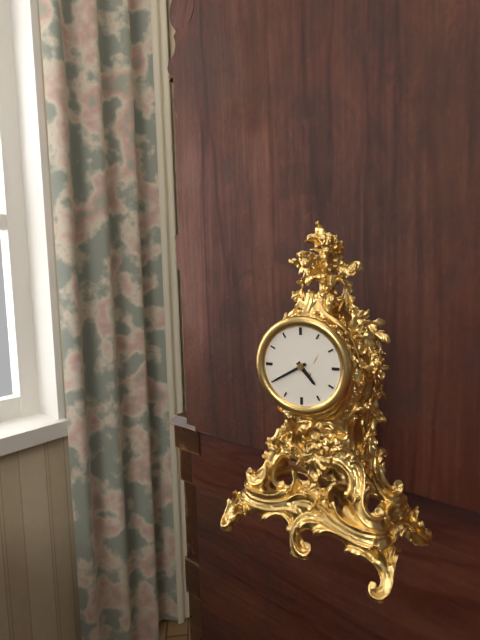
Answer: 4,40
